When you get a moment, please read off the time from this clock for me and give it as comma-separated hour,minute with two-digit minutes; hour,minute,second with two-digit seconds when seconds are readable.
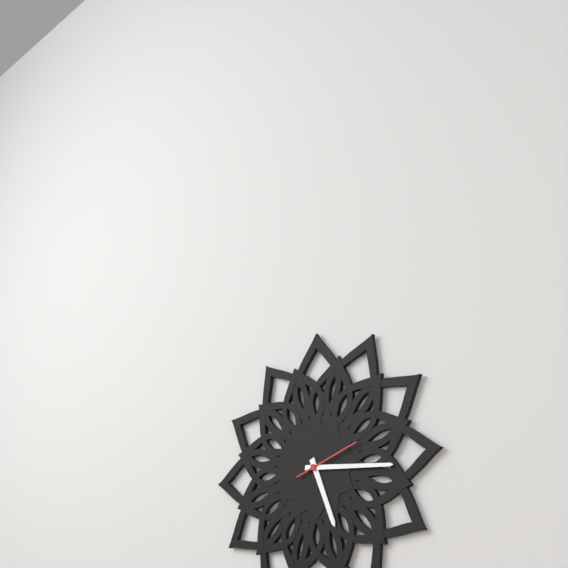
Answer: 5,16,12
